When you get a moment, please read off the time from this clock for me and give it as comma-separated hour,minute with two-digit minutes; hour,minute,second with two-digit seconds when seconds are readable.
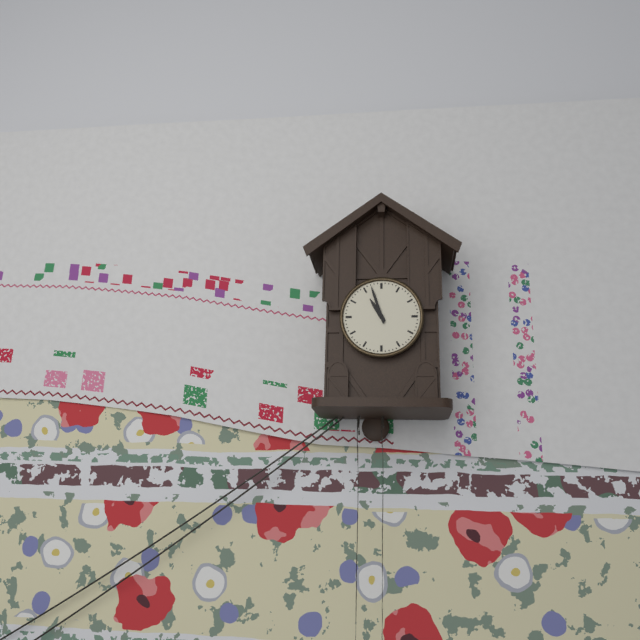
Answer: 10,57
